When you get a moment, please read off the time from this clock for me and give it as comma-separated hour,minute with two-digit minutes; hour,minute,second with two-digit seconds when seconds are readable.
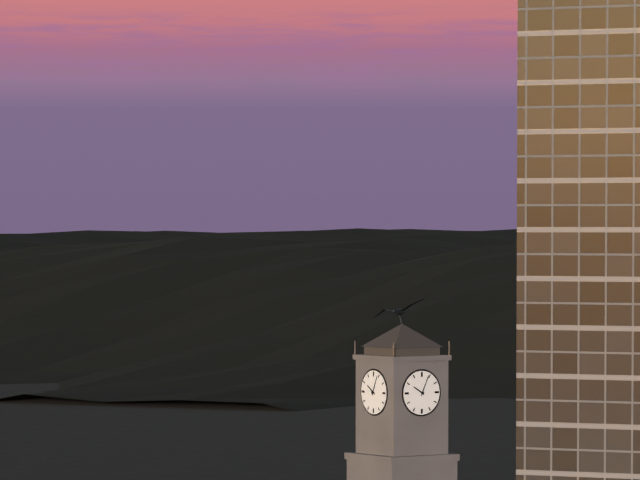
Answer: 10,04
